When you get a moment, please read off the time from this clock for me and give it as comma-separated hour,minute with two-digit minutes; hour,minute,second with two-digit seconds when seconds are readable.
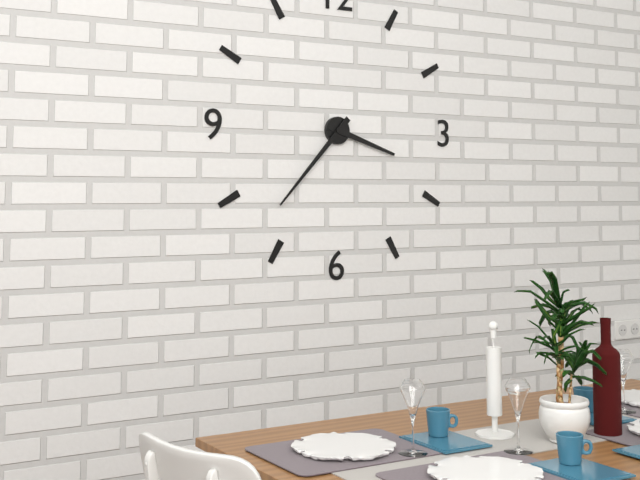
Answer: 3,37
